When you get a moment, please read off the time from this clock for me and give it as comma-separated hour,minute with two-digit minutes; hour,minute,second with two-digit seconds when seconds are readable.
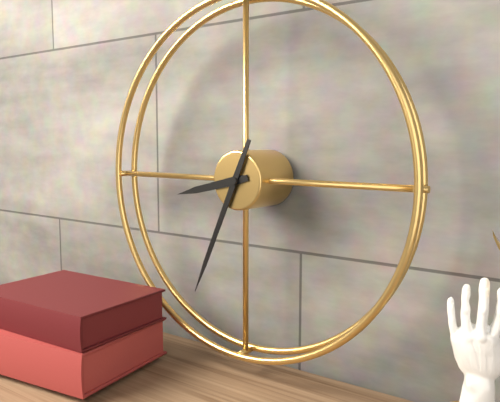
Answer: 8,34
